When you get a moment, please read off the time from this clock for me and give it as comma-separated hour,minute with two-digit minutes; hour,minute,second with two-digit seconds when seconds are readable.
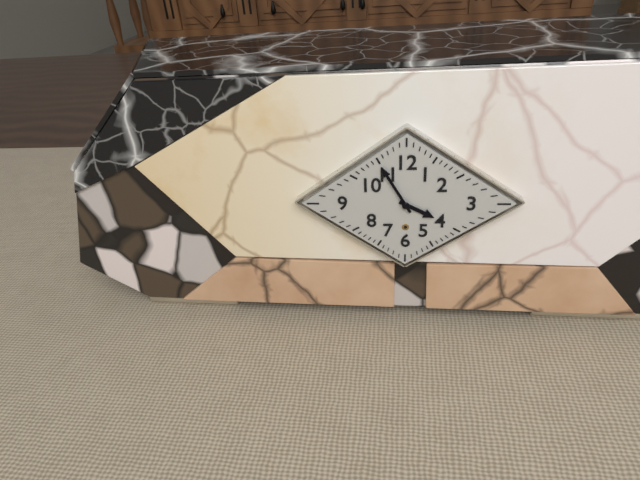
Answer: 3,55
